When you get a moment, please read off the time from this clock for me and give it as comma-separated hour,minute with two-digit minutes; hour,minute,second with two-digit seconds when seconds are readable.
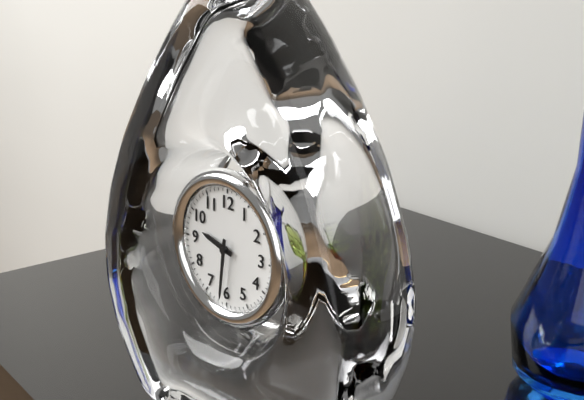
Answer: 9,31
